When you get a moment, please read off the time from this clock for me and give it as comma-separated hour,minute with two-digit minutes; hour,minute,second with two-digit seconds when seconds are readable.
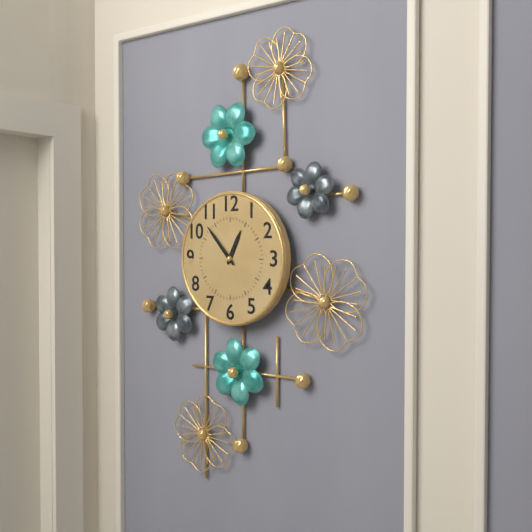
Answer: 12,53
